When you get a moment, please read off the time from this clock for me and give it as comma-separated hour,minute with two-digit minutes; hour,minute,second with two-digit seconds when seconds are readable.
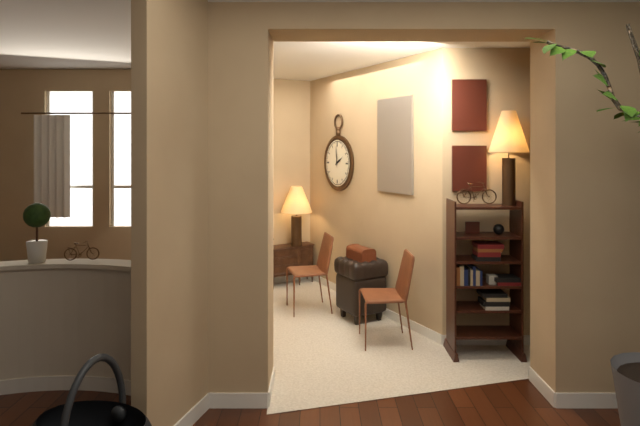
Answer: 1,59
